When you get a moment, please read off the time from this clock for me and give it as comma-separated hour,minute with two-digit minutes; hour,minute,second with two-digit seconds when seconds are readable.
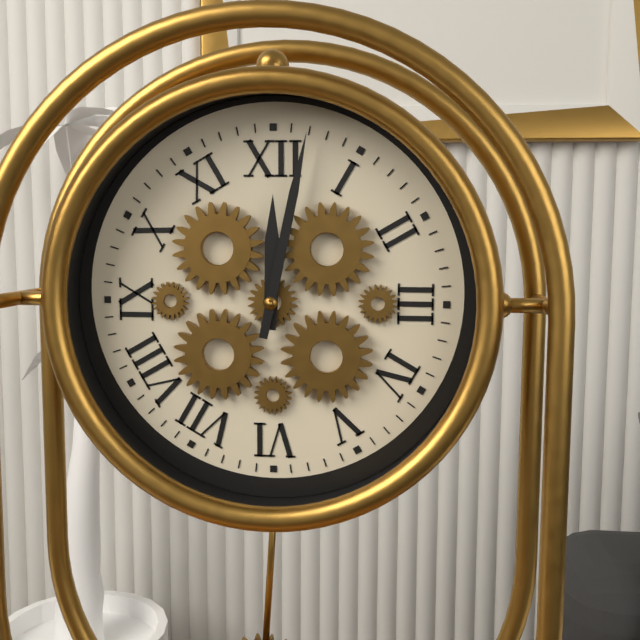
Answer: 12,02
